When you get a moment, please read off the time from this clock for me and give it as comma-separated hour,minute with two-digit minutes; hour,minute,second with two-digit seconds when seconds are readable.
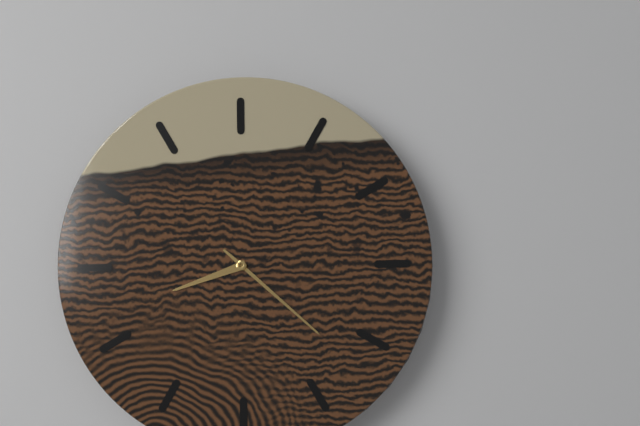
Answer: 8,22
